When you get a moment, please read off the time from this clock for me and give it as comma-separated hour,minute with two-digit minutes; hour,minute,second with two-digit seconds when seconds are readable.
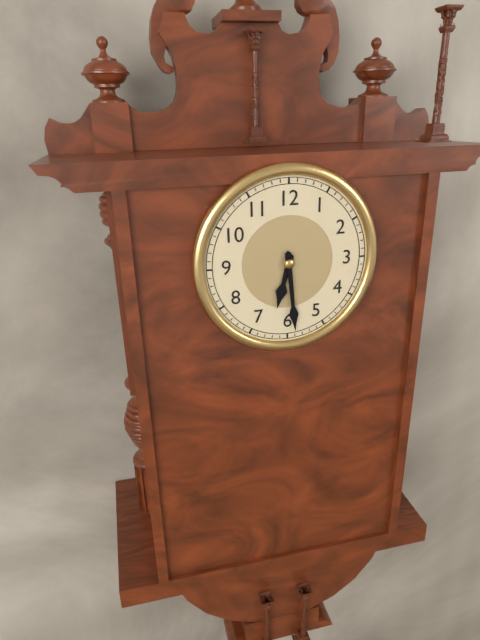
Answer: 6,29
